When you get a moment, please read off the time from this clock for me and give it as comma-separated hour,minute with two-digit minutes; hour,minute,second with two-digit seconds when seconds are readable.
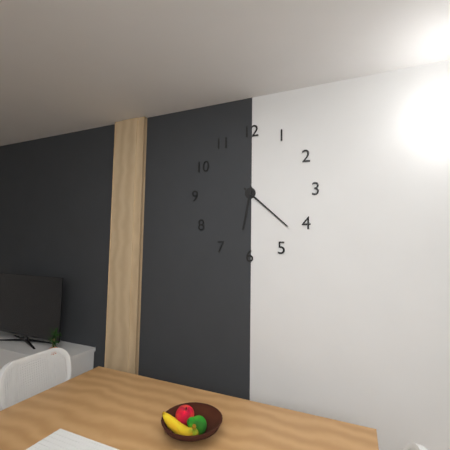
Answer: 6,22
